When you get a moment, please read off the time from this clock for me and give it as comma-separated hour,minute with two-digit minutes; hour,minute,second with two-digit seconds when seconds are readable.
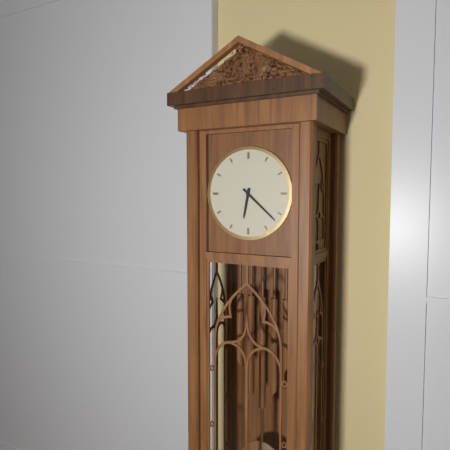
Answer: 6,22
